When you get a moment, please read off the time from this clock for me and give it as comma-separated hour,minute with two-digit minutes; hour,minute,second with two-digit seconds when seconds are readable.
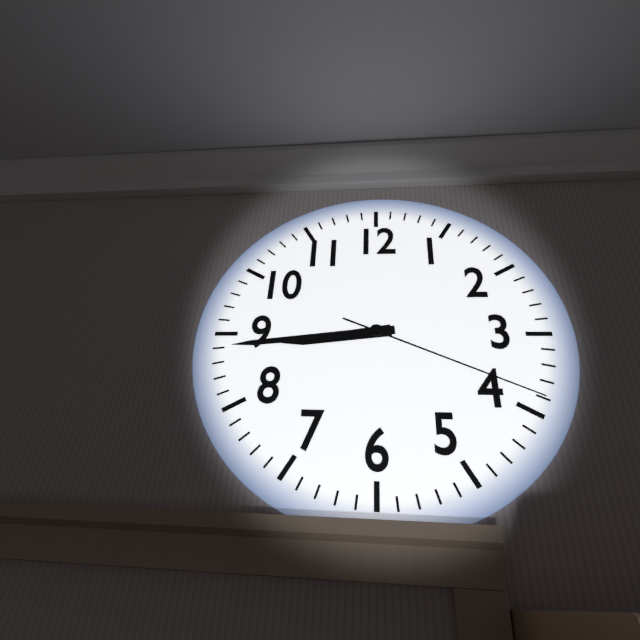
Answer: 8,44,19
